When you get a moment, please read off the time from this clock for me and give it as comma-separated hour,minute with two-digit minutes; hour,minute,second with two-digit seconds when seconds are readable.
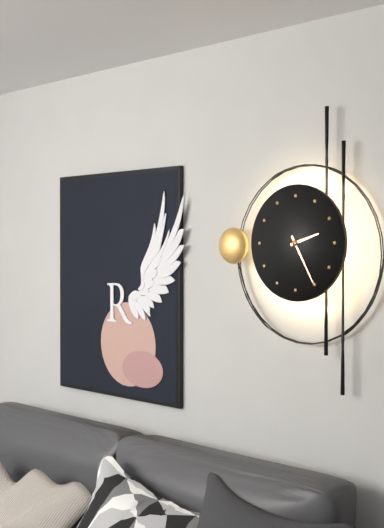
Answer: 2,25
